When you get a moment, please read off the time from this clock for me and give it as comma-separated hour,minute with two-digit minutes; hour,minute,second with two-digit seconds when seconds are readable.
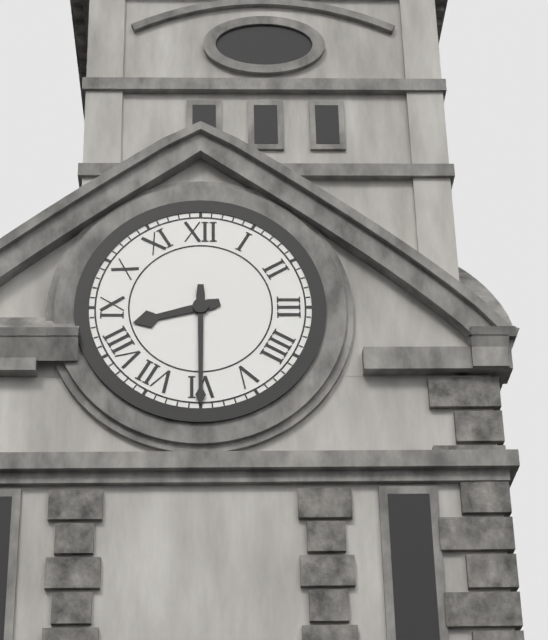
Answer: 8,30
